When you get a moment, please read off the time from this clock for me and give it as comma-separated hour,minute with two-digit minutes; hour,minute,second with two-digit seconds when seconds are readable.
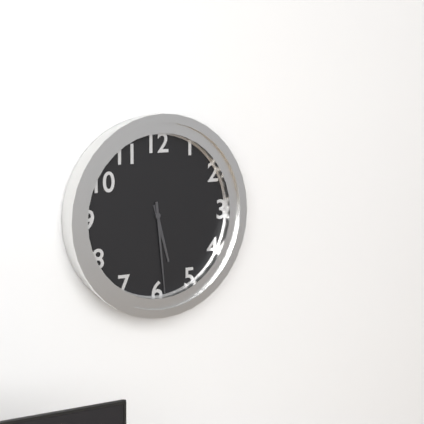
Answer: 5,29
